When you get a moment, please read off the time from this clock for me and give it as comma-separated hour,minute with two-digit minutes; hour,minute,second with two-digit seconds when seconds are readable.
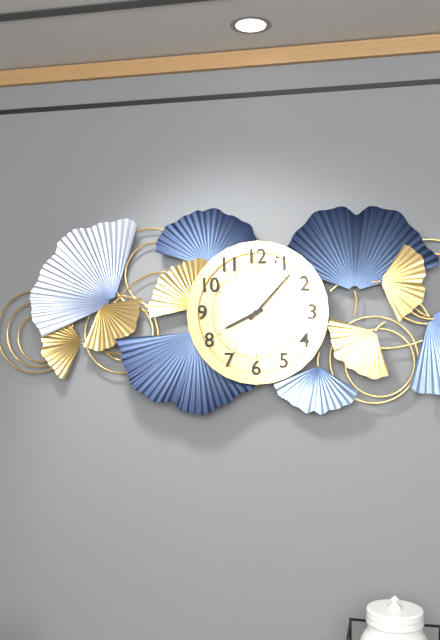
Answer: 8,07
